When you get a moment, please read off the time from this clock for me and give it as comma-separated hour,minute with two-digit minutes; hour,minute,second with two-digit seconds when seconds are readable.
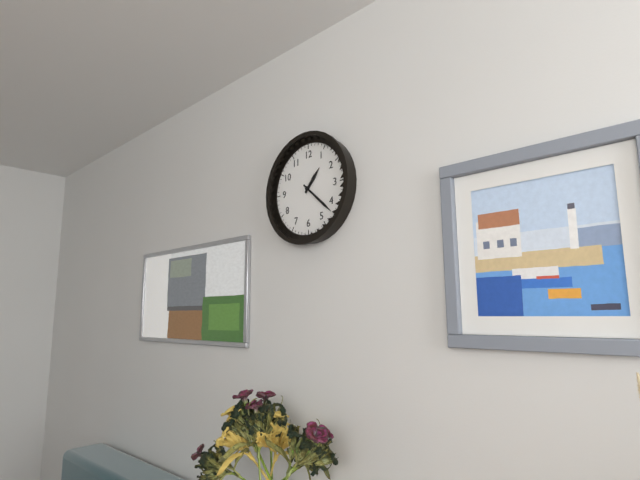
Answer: 1,22
